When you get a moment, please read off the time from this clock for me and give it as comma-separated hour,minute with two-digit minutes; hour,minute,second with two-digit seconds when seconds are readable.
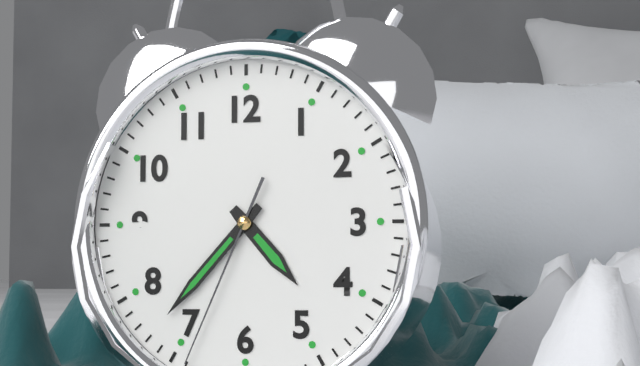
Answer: 4,37,34
